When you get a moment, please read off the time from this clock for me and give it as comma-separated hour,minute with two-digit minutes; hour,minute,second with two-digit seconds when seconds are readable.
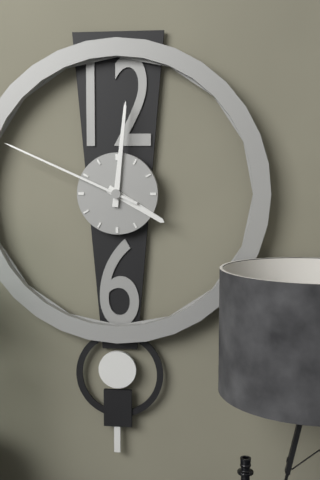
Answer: 4,01,49
